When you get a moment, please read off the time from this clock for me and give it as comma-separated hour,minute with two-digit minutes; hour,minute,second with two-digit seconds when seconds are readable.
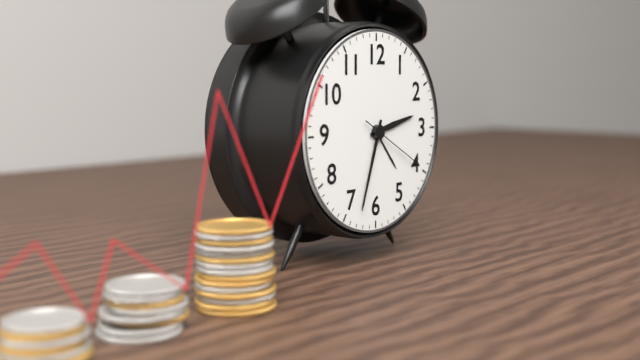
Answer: 2,33,20
